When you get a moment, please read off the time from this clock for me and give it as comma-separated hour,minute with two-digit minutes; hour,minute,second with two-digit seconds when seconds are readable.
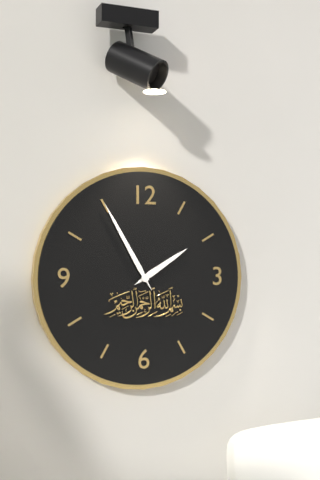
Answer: 1,55
